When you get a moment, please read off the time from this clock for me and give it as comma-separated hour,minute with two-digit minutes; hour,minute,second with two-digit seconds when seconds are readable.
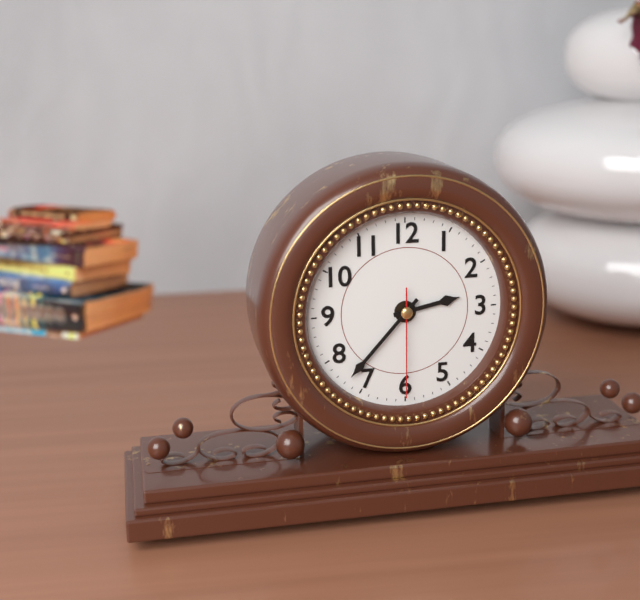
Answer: 2,37,30
